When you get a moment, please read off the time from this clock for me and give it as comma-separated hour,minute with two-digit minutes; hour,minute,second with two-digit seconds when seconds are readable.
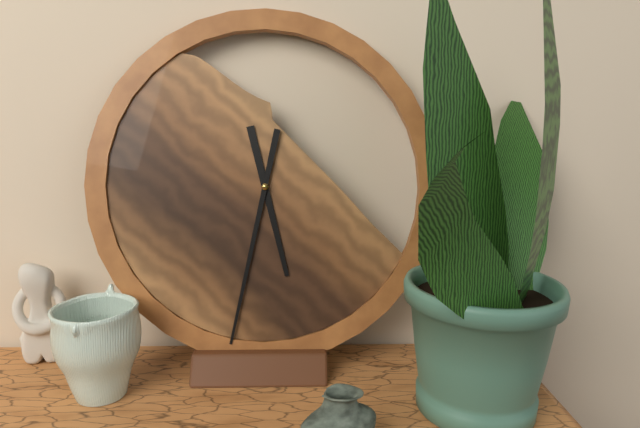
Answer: 5,32
